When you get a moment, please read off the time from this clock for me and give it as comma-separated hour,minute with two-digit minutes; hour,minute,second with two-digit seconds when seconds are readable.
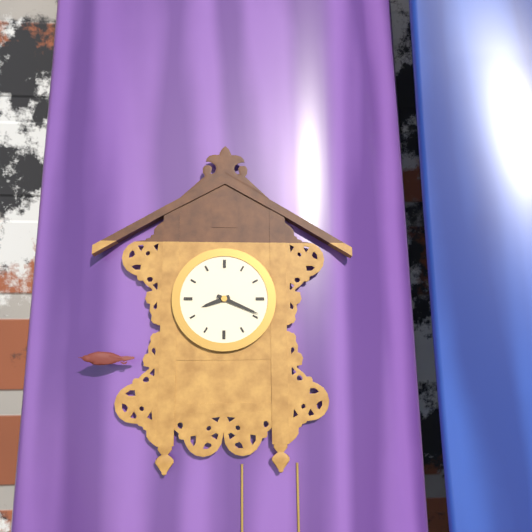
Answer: 8,19
